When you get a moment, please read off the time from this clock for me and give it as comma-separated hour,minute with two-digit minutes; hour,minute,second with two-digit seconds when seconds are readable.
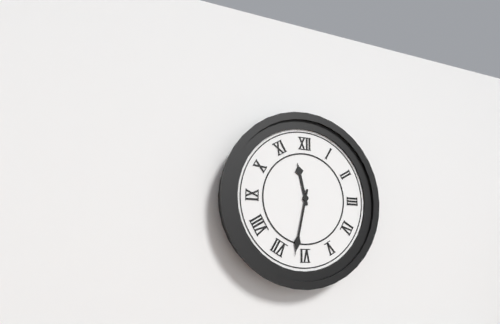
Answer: 11,32
